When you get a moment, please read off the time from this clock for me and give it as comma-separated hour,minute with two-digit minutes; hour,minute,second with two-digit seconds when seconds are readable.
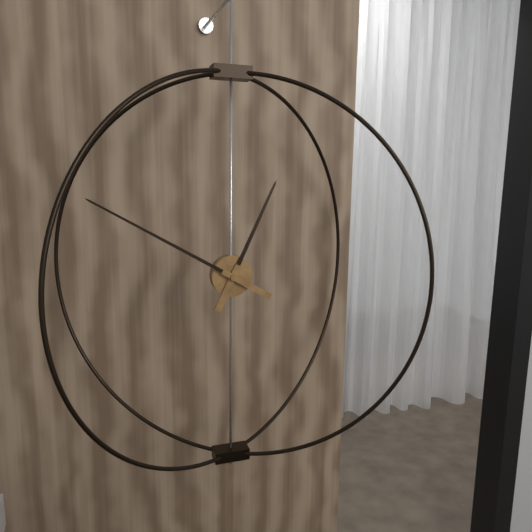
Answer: 12,50
